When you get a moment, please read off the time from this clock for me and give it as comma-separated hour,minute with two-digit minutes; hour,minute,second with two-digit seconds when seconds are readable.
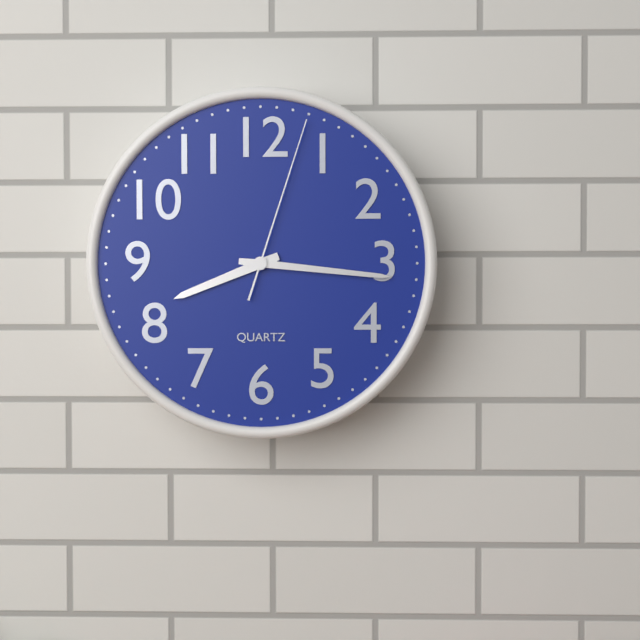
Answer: 8,16,03
